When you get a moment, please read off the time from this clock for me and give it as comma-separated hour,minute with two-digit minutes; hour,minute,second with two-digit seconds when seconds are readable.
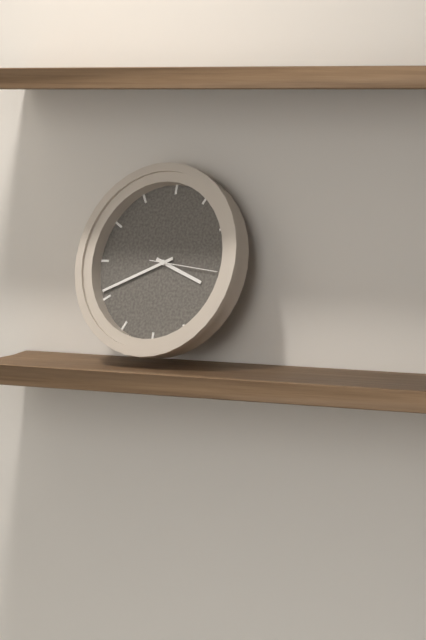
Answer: 3,41,16
